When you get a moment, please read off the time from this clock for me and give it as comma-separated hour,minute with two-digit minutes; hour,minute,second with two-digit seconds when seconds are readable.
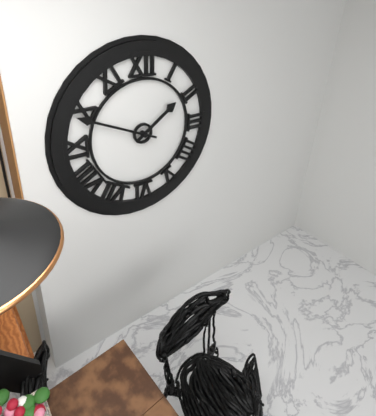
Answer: 1,49
